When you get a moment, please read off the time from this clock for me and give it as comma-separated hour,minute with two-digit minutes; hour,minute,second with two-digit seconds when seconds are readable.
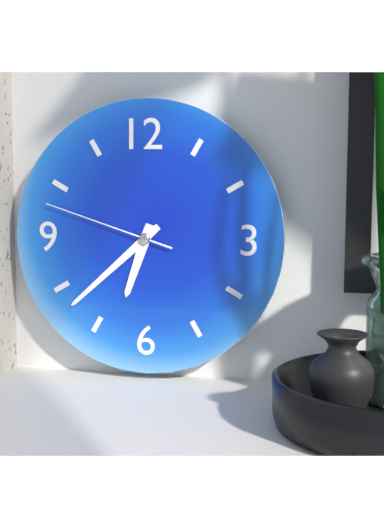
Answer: 6,38,48
